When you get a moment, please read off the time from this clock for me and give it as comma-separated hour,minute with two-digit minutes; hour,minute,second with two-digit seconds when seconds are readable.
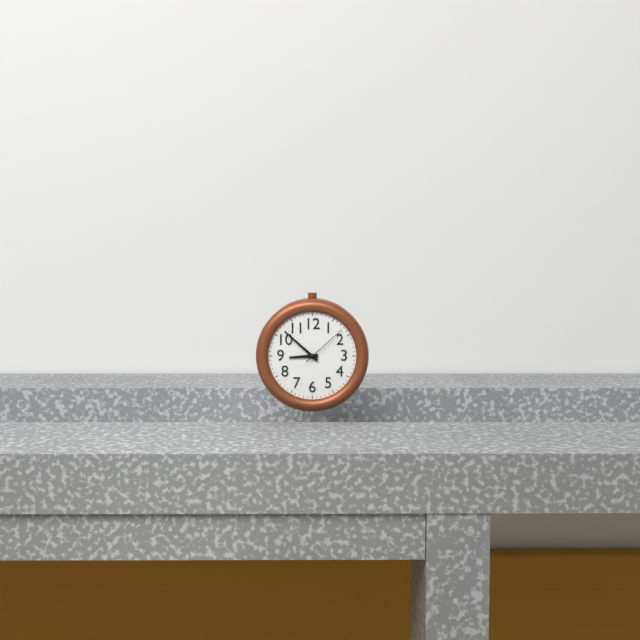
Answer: 8,52
